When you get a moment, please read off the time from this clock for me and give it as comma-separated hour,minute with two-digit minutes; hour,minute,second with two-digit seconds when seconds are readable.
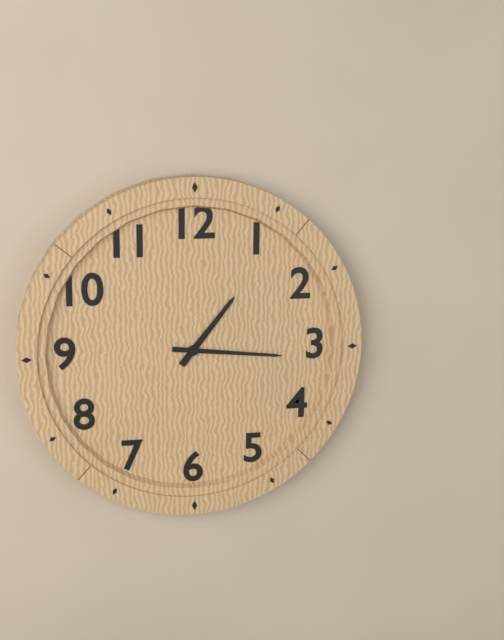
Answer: 1,16
